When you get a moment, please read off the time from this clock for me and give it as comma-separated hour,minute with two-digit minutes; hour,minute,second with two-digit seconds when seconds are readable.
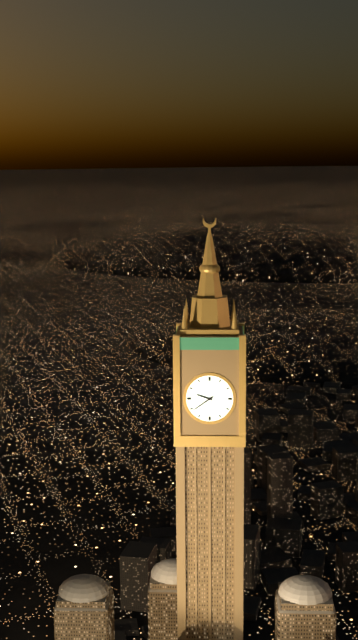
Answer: 9,39
